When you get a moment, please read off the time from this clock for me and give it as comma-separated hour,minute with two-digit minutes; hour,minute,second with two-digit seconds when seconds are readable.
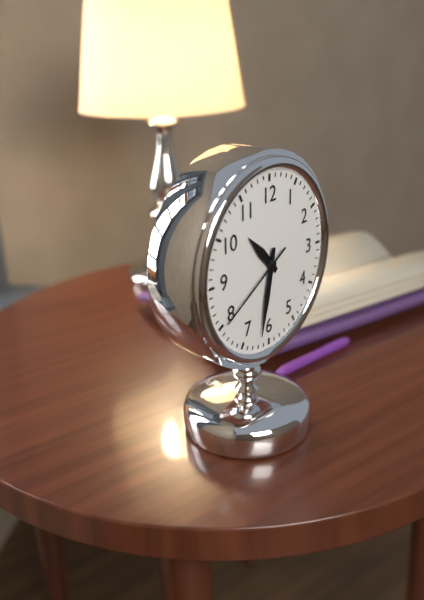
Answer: 10,32,40
